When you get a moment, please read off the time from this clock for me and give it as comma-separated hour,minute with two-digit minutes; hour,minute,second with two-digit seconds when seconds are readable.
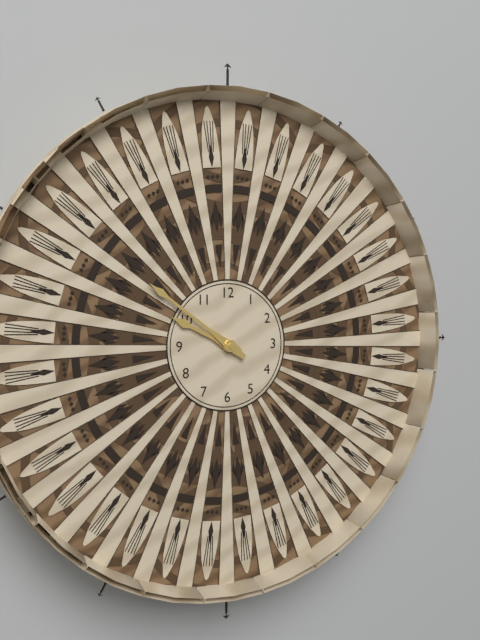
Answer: 9,51
